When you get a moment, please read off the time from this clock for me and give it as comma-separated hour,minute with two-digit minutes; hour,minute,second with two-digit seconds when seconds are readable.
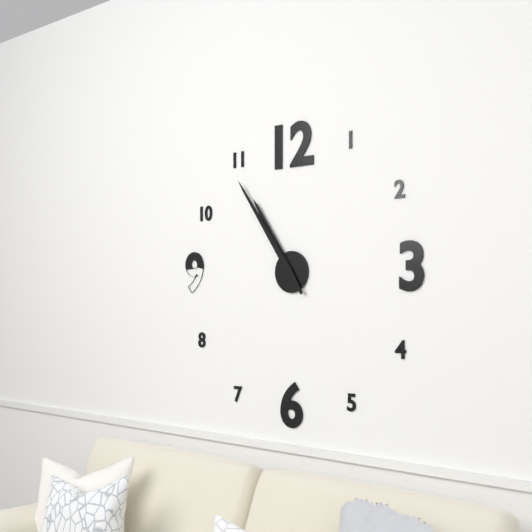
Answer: 10,54
